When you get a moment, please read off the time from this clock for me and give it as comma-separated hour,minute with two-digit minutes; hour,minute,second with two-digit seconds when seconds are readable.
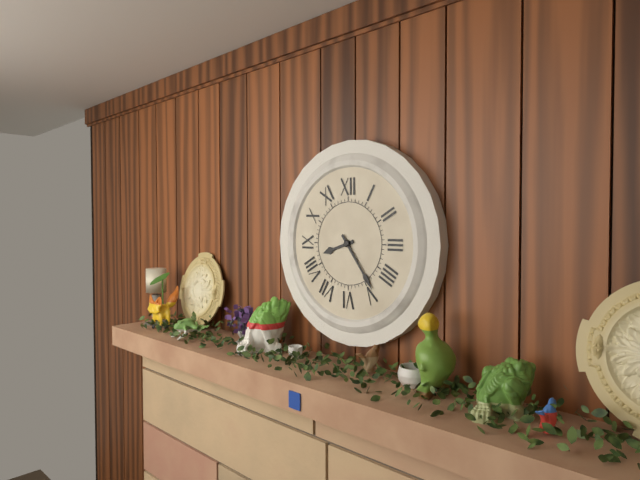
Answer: 8,24
